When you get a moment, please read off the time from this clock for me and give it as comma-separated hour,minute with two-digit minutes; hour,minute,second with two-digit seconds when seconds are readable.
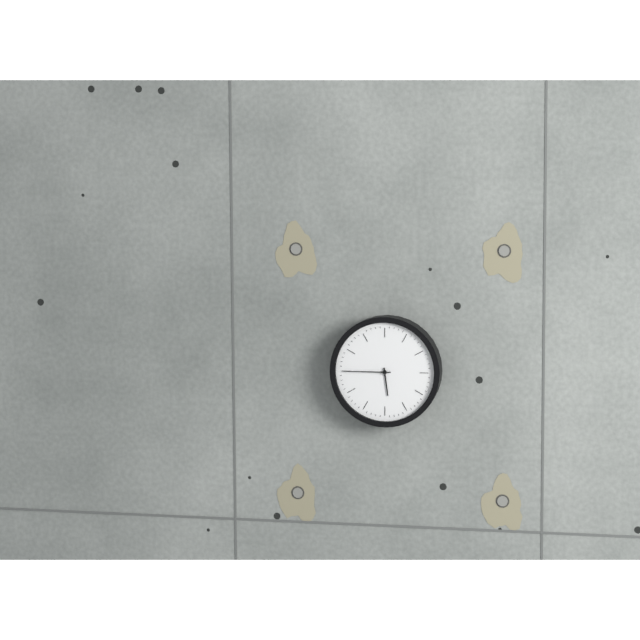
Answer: 5,45
